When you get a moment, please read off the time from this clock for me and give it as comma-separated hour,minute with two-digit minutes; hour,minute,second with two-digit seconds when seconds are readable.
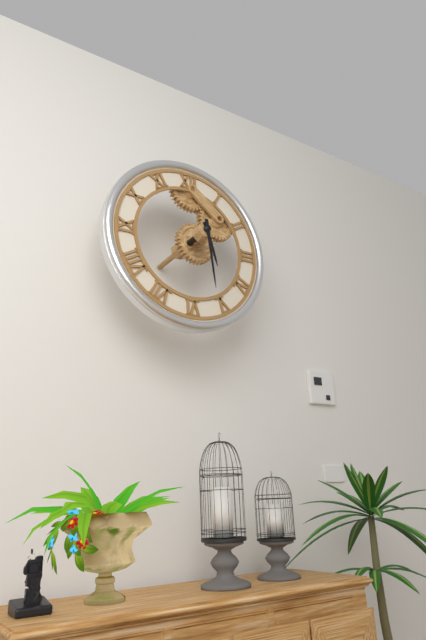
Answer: 5,29
